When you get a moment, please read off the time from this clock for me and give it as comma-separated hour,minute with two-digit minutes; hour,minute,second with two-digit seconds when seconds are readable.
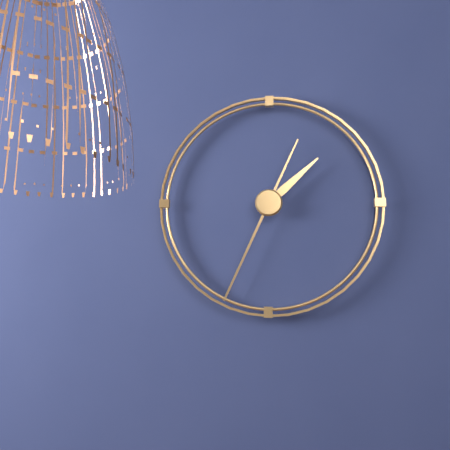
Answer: 1,34
